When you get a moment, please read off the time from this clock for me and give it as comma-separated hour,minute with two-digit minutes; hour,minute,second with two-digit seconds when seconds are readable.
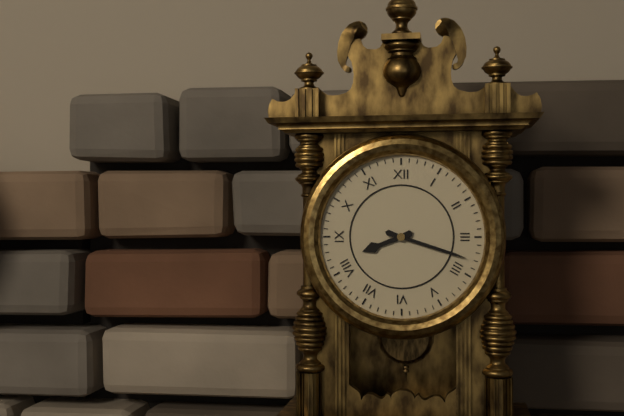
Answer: 8,18
